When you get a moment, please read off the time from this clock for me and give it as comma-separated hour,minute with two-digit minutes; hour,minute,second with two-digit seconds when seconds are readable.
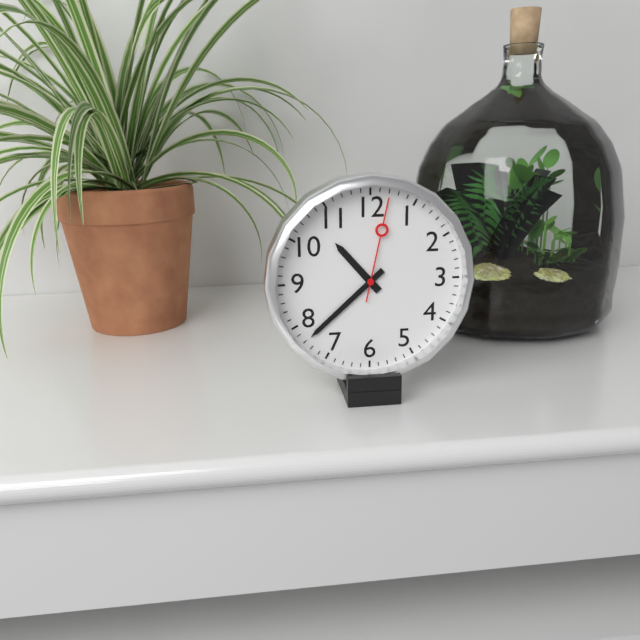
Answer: 10,38,02
